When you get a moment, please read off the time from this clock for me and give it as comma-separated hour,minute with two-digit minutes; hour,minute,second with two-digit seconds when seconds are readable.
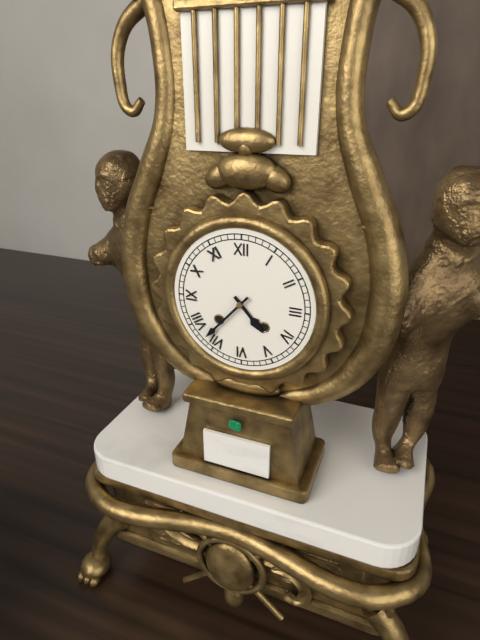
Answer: 4,37
